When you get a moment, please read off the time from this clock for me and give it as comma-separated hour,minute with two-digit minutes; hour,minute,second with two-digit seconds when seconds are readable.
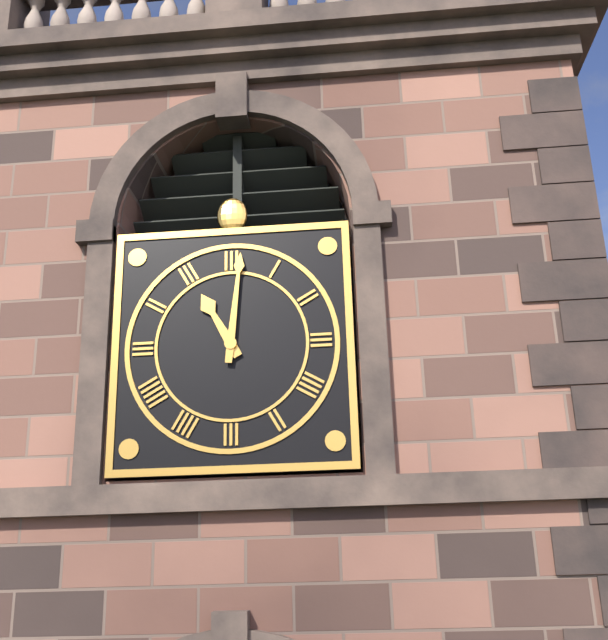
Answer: 11,01
